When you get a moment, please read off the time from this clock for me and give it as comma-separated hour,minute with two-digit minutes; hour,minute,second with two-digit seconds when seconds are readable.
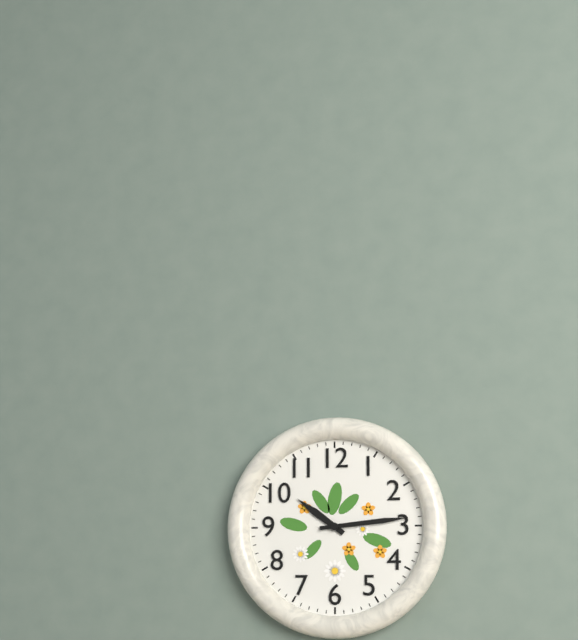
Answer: 10,14
